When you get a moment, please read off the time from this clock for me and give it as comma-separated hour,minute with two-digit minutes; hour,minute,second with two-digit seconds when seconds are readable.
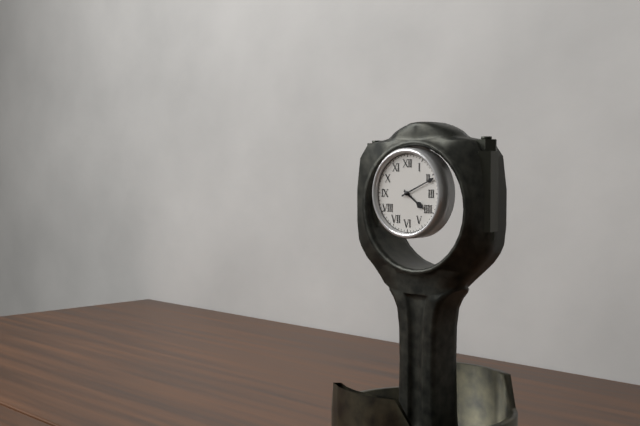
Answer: 4,11
